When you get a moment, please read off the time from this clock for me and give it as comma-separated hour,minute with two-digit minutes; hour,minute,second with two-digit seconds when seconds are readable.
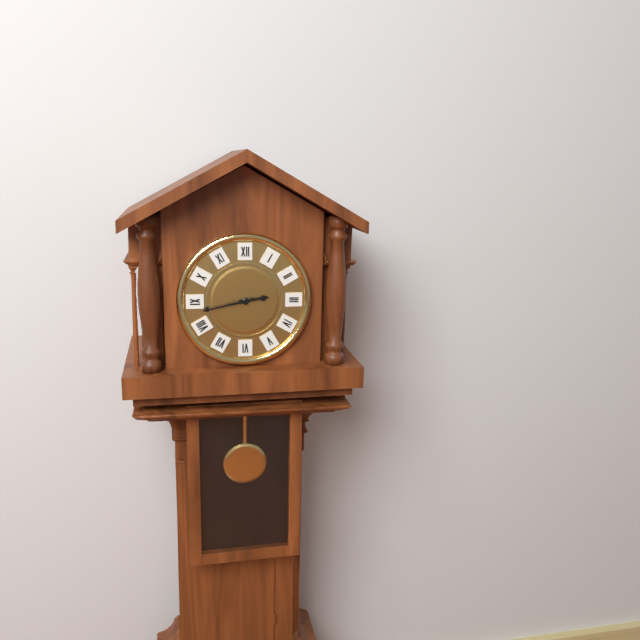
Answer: 2,43
